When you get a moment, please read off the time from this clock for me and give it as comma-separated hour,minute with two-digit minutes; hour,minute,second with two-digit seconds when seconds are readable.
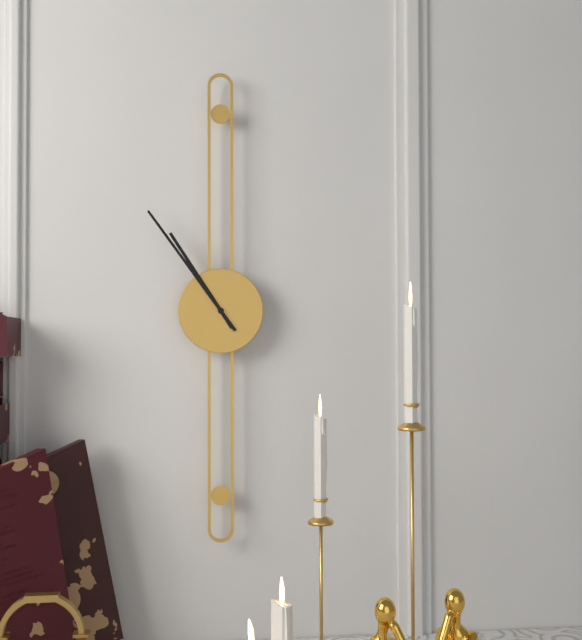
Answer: 10,54
